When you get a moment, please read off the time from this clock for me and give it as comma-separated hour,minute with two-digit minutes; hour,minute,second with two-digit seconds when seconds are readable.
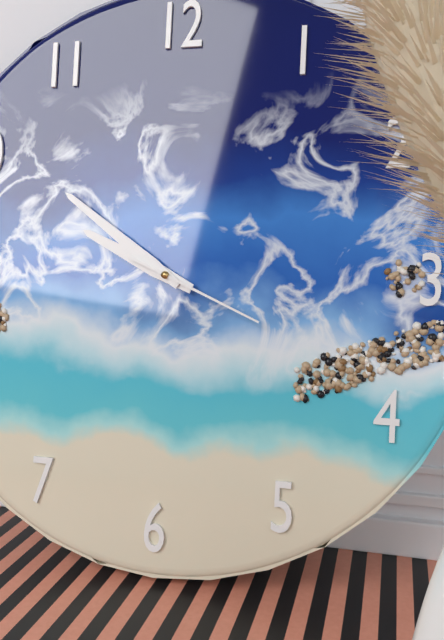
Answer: 9,51,19
